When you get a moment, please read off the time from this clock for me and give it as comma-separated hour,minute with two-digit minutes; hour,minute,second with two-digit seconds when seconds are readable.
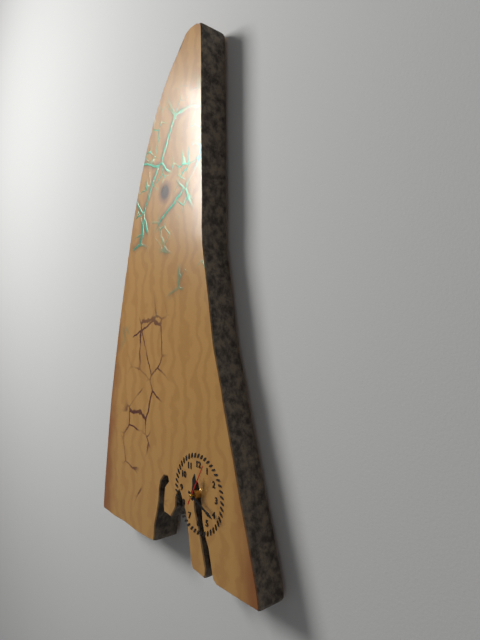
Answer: 12,19
